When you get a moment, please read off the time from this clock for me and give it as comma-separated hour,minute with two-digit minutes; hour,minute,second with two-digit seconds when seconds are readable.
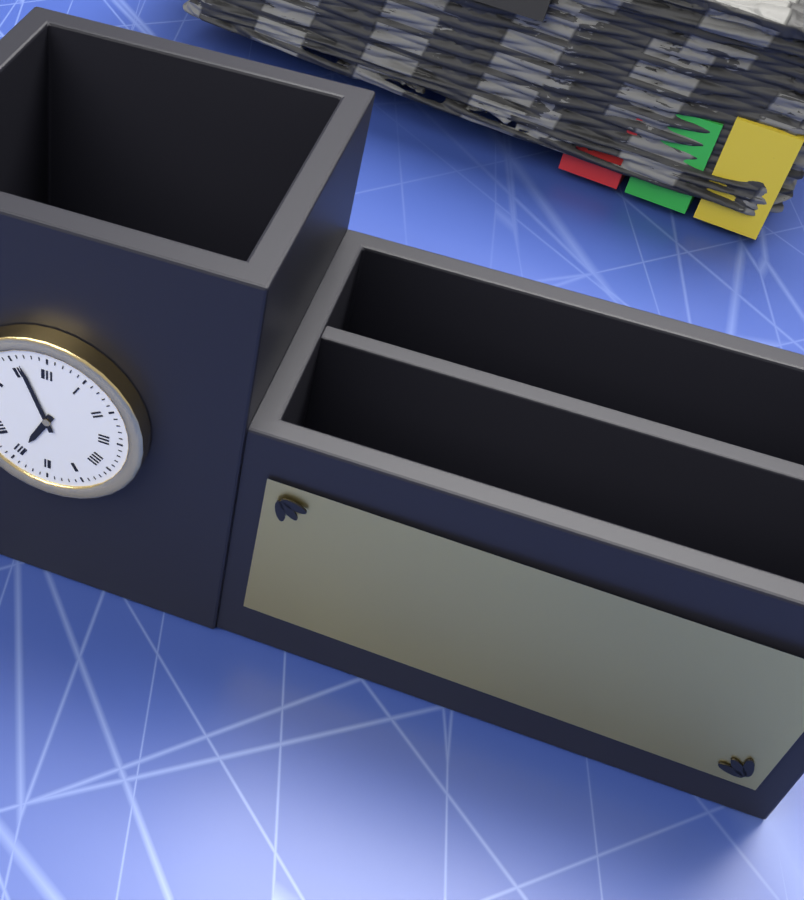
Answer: 6,56
